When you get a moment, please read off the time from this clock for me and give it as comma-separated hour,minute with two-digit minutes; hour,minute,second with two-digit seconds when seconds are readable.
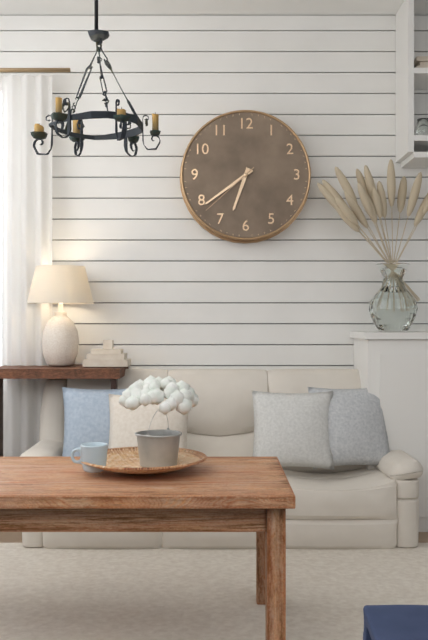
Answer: 6,39,38
